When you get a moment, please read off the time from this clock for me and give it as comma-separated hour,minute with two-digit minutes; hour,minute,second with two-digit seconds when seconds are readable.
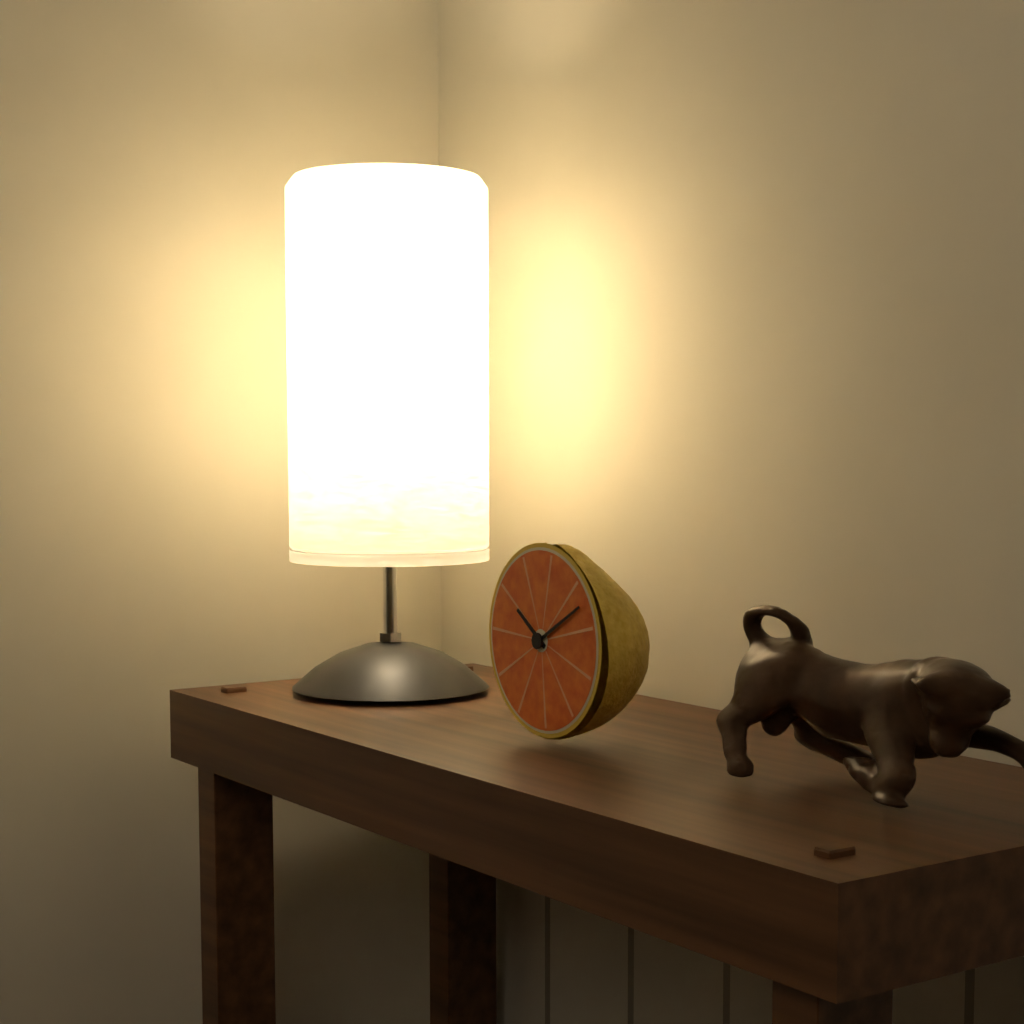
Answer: 10,10
